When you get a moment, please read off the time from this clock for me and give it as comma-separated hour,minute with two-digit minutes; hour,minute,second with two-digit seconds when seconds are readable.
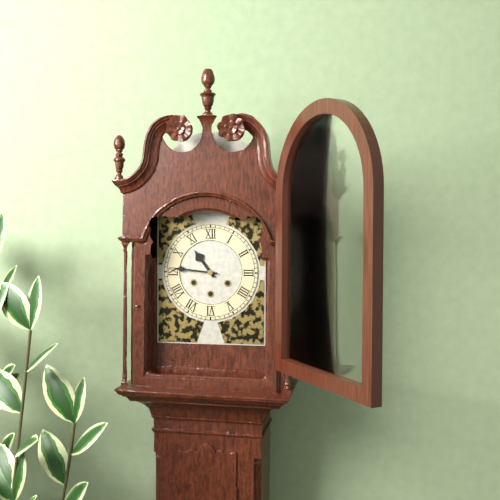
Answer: 10,46
